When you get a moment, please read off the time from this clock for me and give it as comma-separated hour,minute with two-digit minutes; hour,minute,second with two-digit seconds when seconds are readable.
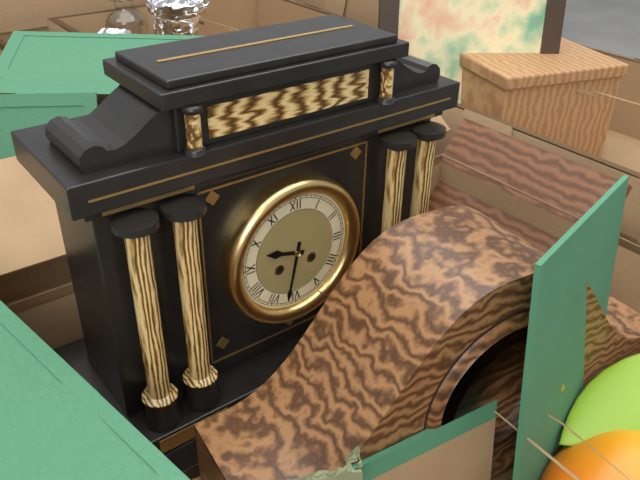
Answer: 9,32
